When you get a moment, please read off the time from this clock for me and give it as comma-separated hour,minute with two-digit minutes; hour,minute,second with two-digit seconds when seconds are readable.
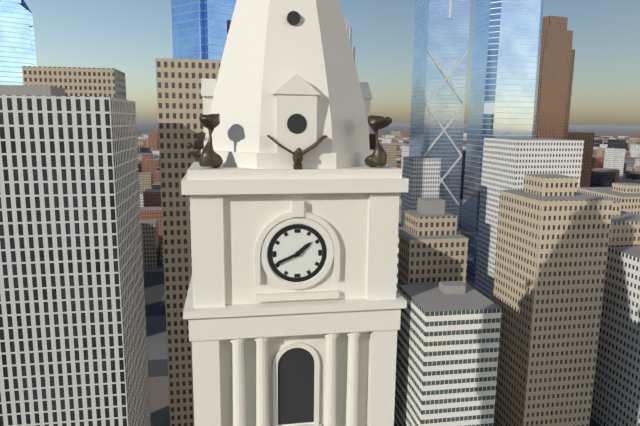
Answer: 1,41
